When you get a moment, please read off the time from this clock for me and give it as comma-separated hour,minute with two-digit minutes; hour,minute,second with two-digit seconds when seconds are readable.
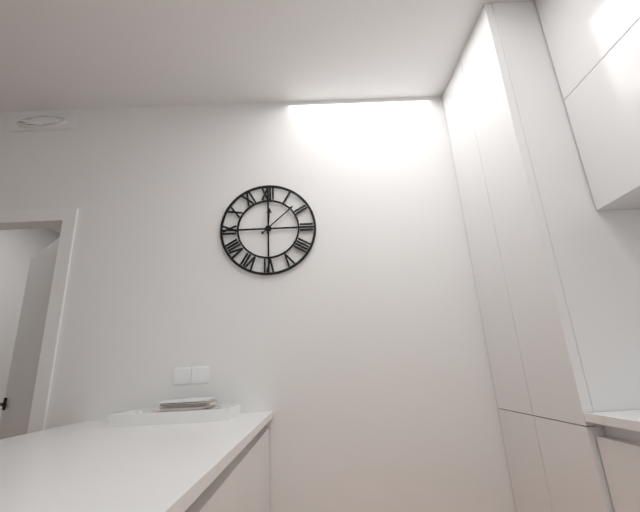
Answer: 12,08
